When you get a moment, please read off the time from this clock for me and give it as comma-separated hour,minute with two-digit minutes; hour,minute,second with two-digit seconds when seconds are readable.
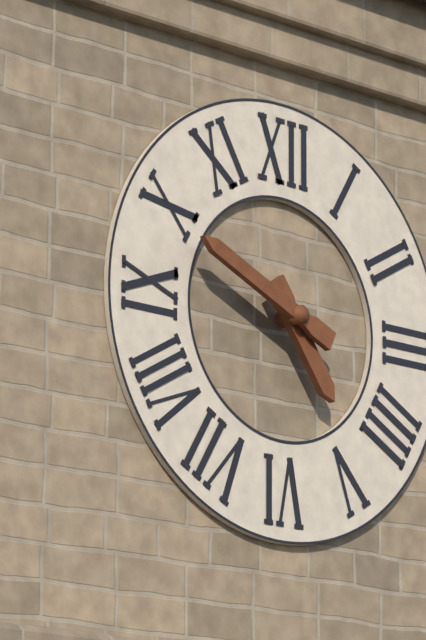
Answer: 4,49
